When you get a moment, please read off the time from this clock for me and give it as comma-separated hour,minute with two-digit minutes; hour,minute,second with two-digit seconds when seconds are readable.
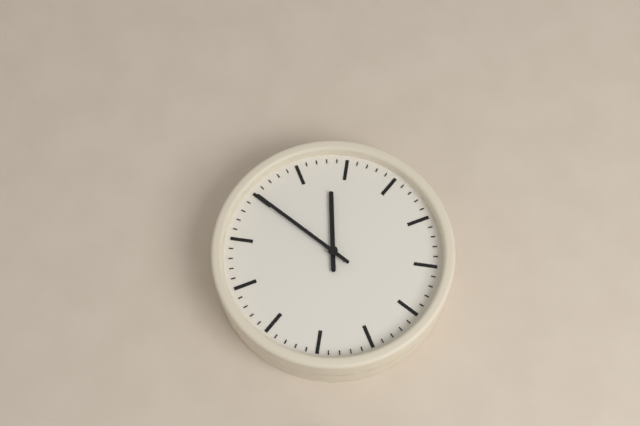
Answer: 9,40
